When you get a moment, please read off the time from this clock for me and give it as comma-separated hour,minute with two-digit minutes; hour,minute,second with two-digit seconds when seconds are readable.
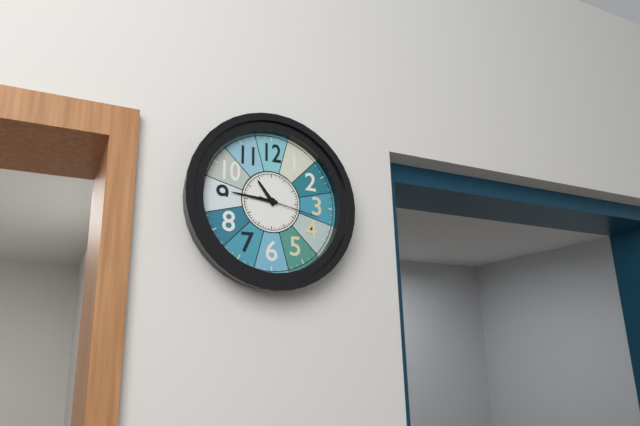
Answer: 10,46,17
